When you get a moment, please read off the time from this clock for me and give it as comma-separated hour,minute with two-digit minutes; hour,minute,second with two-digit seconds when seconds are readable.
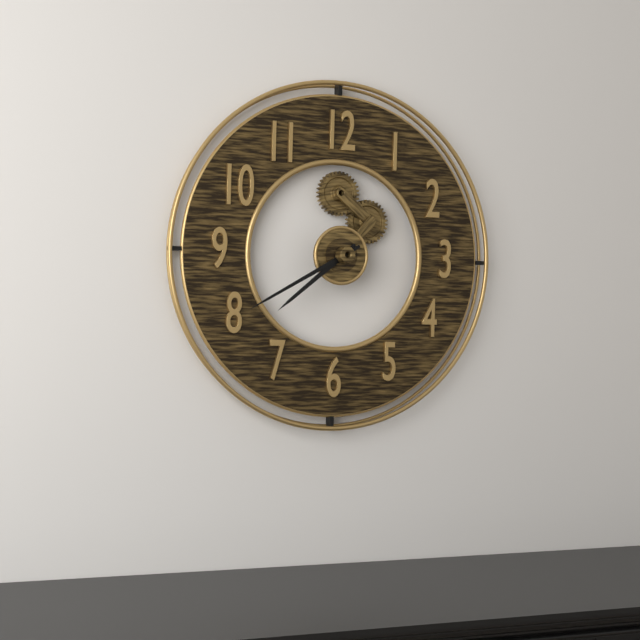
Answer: 7,40
